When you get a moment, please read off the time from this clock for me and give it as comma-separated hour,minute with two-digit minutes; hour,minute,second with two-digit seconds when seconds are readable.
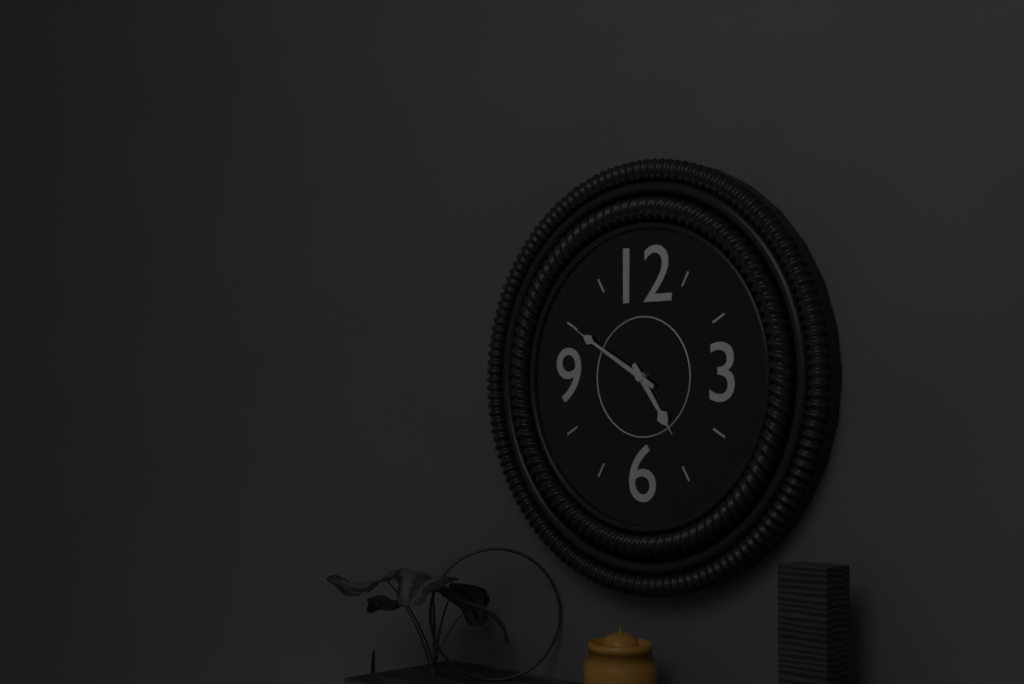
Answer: 4,50
